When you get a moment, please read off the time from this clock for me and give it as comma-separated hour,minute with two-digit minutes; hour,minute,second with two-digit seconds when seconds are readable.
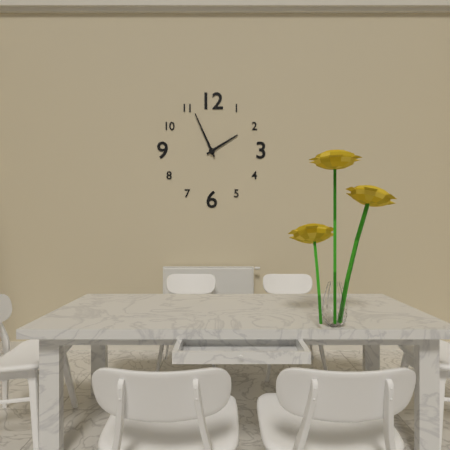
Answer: 1,56
